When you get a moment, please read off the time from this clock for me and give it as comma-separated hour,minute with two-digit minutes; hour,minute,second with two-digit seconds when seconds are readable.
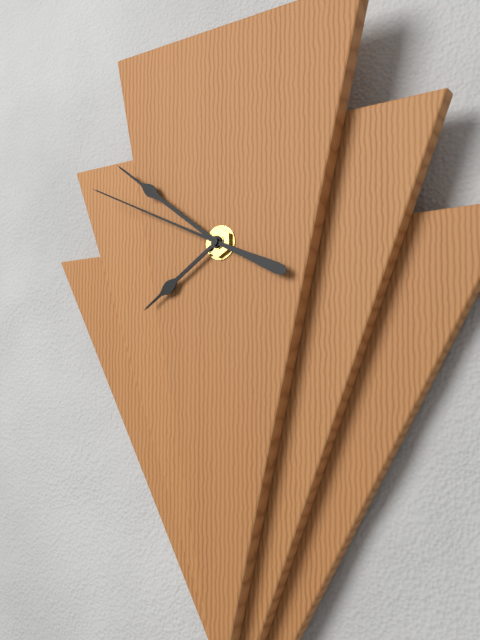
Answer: 7,51,49
